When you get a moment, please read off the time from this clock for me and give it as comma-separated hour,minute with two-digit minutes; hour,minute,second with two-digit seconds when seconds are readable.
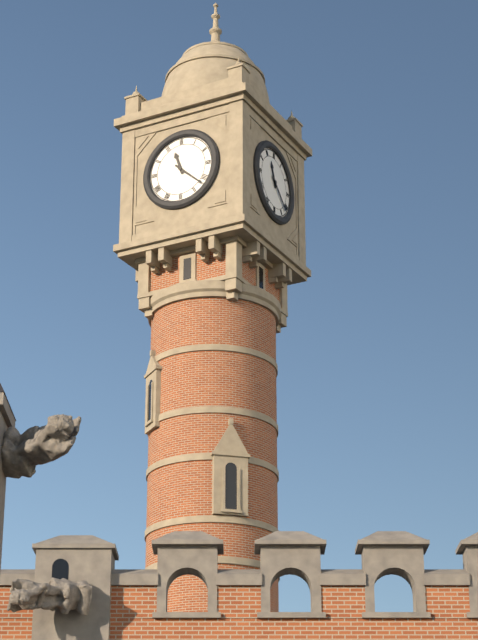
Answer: 11,22
